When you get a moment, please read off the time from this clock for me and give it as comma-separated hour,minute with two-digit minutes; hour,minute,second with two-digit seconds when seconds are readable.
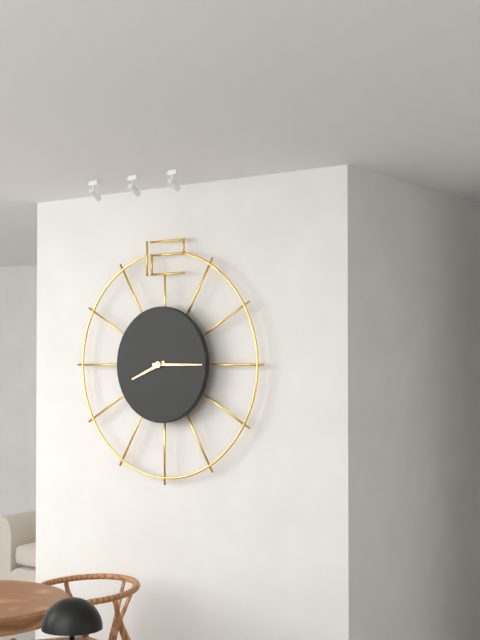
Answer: 8,15
